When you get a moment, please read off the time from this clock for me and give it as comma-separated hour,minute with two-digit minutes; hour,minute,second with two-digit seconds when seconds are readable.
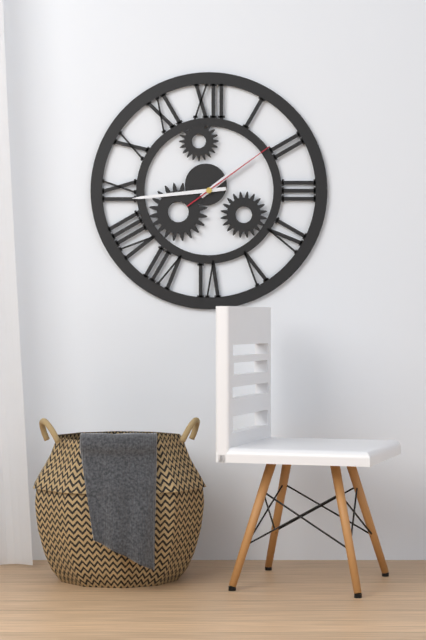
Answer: 1,44,09
